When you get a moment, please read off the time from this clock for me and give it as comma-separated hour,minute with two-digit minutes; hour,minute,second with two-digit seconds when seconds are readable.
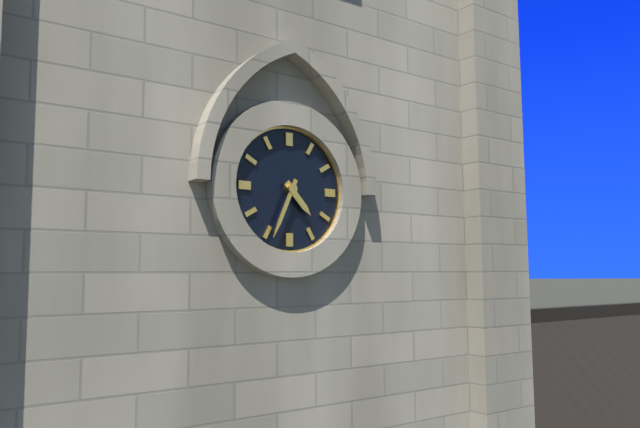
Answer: 4,34
